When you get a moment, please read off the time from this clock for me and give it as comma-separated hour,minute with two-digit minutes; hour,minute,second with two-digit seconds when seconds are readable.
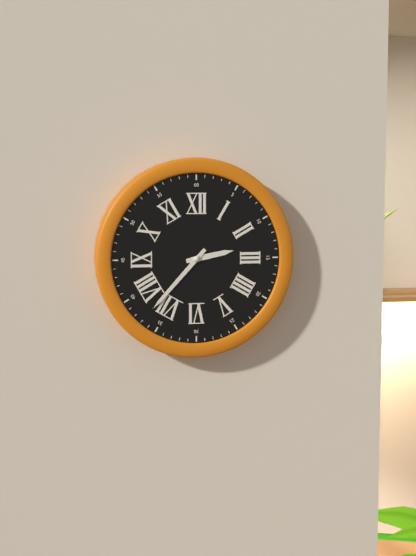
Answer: 2,37
